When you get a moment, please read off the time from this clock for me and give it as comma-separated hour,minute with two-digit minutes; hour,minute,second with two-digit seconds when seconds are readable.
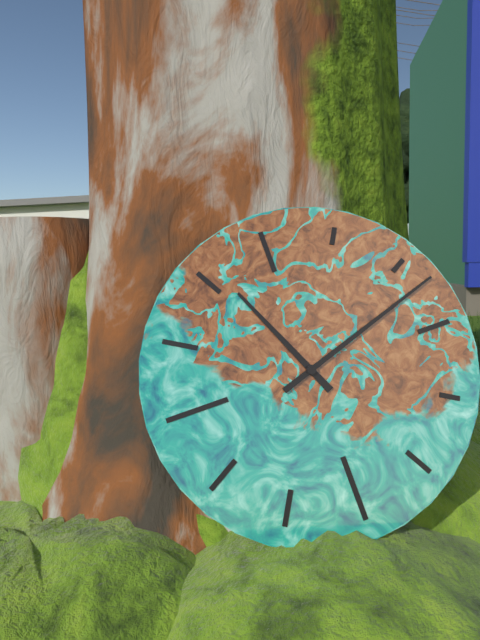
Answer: 11,12
